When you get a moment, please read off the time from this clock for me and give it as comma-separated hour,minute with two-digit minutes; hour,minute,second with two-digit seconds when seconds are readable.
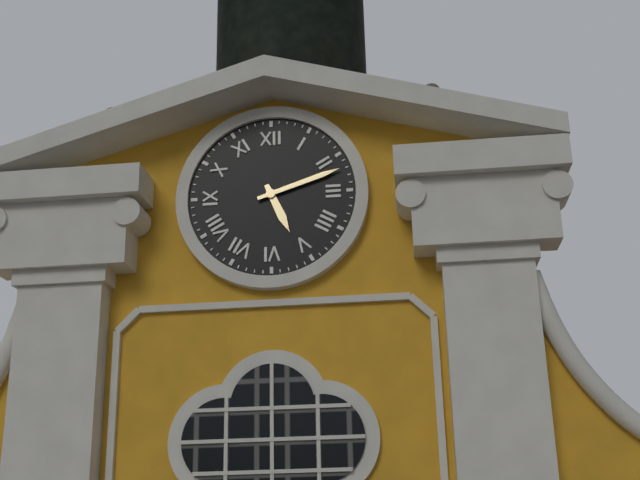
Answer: 5,12
